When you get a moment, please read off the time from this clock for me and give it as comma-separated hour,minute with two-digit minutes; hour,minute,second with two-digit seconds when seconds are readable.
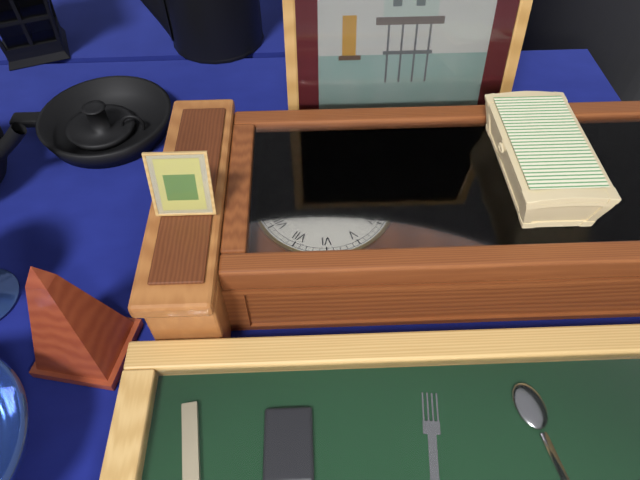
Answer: 10,57
